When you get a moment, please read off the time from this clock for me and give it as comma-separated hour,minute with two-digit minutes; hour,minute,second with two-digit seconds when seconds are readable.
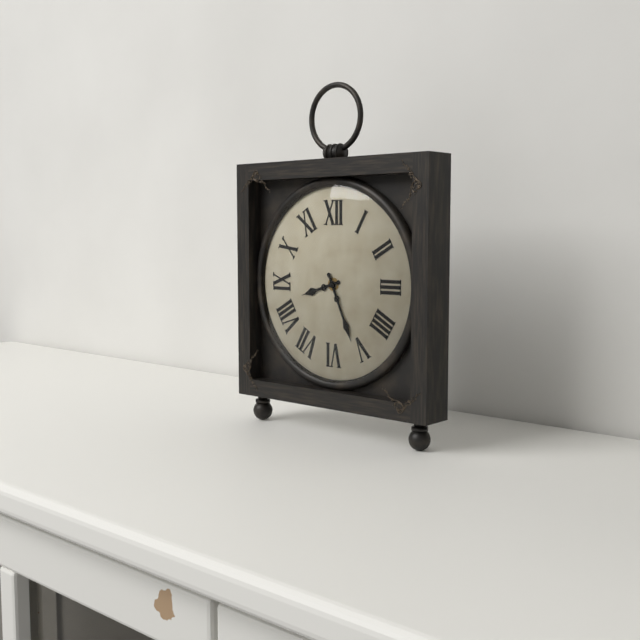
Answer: 8,26
